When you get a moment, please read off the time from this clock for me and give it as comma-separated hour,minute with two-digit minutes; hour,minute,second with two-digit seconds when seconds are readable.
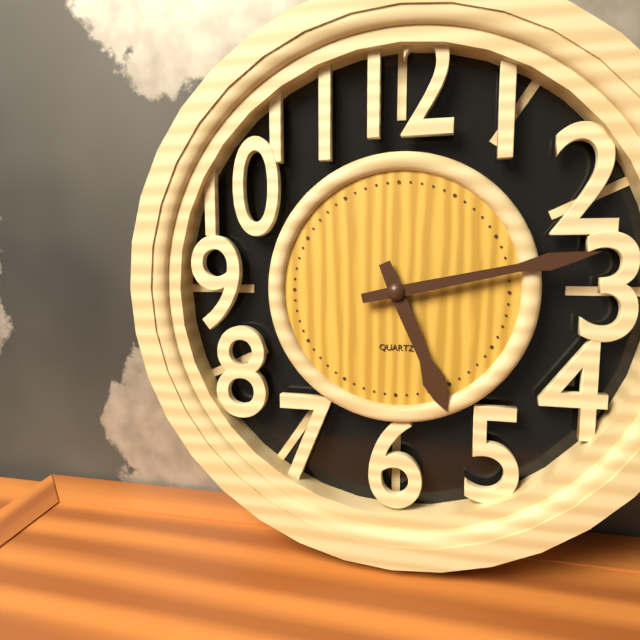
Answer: 5,13
